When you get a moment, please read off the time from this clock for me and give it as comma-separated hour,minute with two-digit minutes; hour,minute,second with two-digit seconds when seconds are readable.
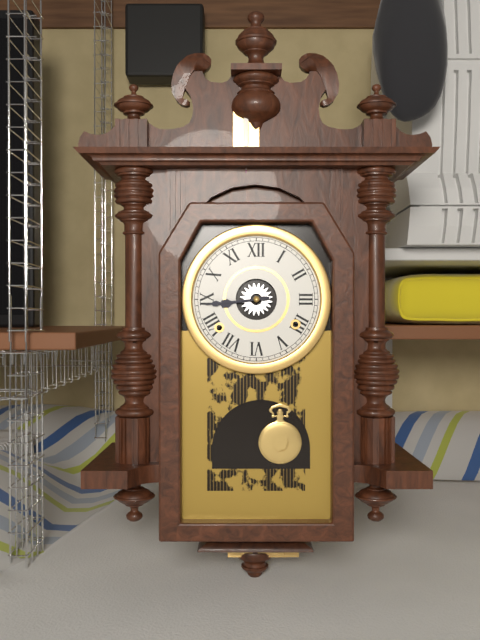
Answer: 8,44
